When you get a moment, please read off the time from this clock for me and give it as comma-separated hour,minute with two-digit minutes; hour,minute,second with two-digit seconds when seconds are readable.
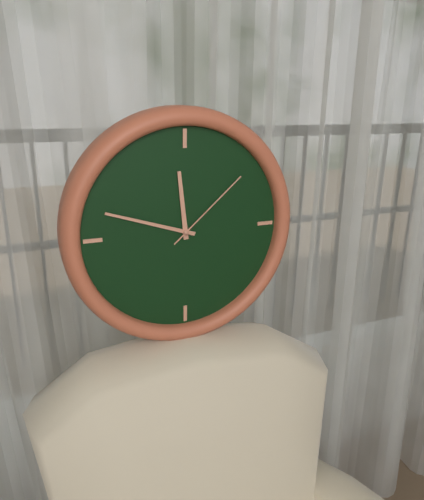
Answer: 11,48,08
